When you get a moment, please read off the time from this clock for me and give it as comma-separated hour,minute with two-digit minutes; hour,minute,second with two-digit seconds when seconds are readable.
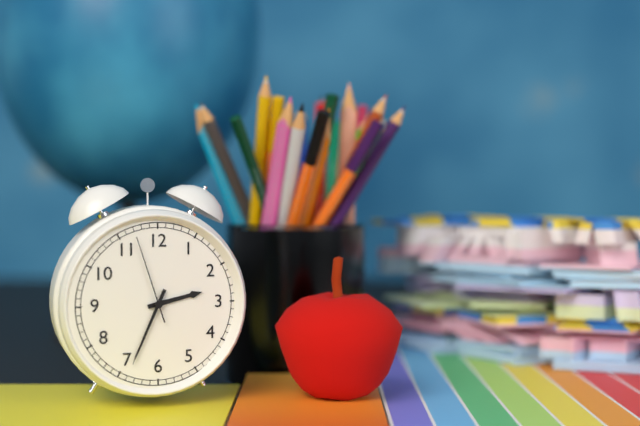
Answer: 2,34,57
